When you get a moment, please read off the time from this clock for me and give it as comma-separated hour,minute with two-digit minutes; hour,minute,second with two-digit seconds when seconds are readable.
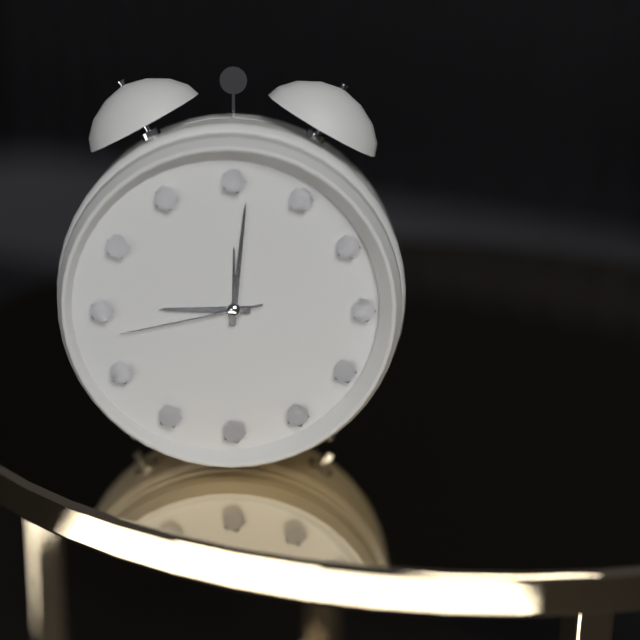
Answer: 9,01,43
